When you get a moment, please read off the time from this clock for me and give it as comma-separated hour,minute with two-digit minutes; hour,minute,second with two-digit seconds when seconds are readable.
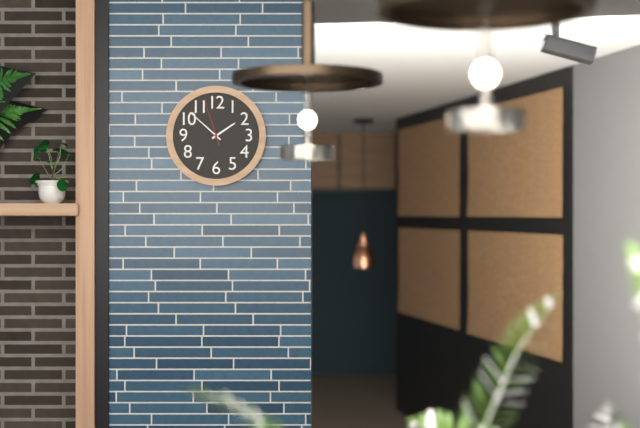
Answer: 1,52
